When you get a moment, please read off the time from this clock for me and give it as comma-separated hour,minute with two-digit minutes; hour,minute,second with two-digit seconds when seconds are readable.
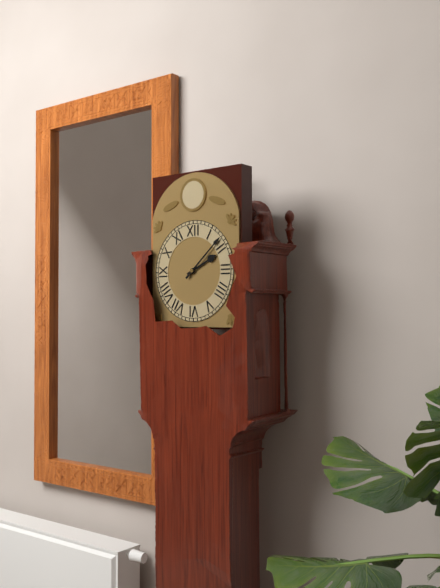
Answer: 2,08
